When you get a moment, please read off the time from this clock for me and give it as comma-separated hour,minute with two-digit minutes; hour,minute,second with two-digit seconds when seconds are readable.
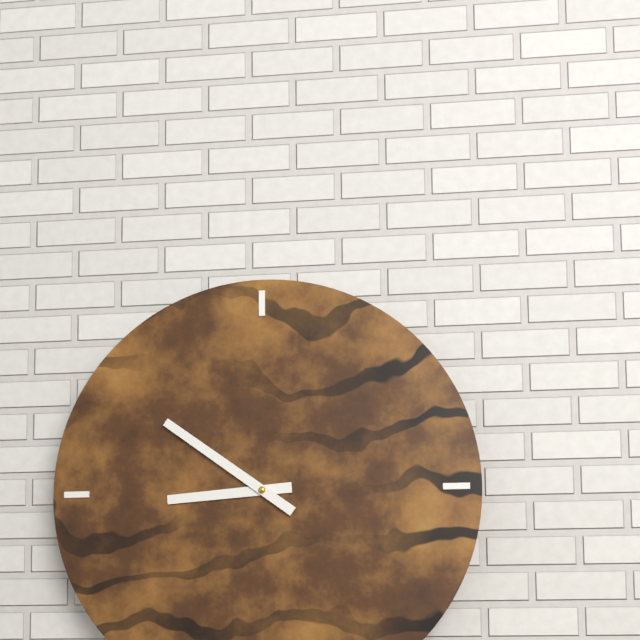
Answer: 8,51
